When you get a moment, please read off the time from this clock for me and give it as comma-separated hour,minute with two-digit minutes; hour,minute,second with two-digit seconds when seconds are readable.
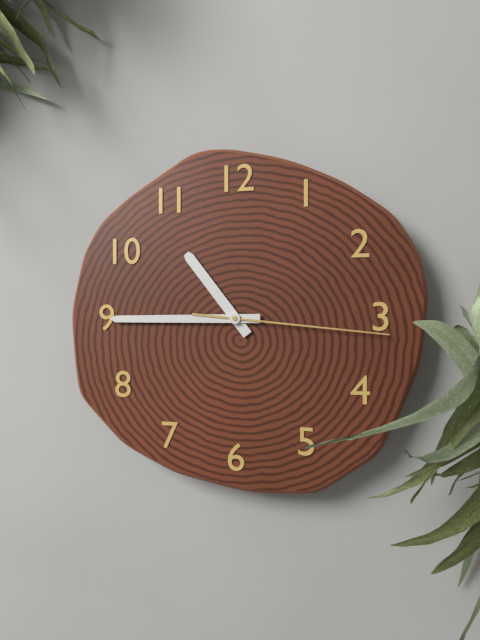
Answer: 10,45,16
